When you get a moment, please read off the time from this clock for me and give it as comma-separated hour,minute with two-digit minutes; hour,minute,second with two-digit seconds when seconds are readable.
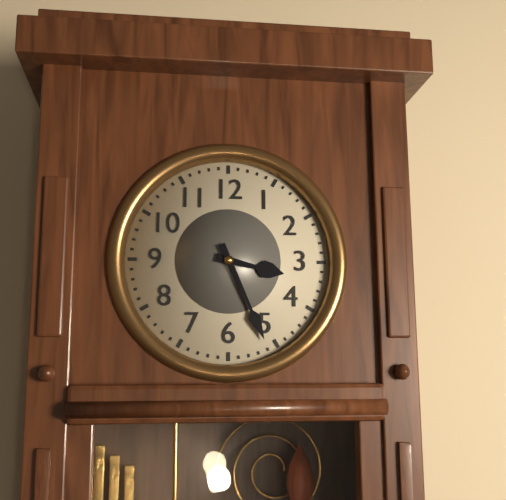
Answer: 3,26
